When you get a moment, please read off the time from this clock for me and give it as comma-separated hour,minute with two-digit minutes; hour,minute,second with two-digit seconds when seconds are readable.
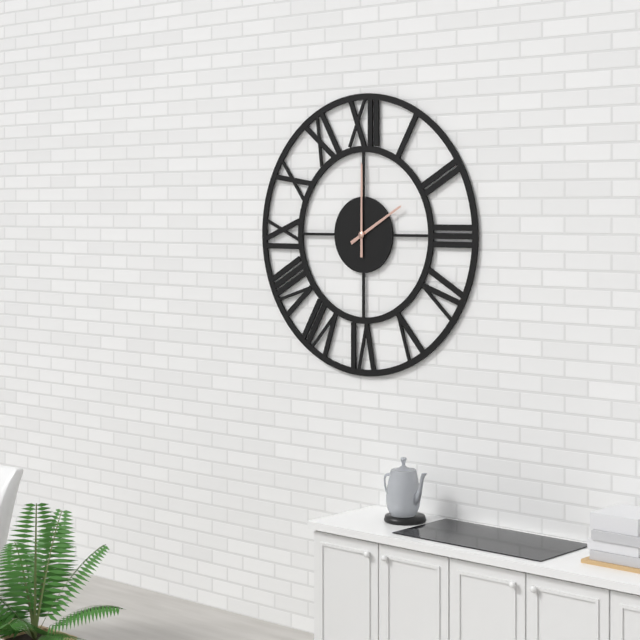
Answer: 2,00
